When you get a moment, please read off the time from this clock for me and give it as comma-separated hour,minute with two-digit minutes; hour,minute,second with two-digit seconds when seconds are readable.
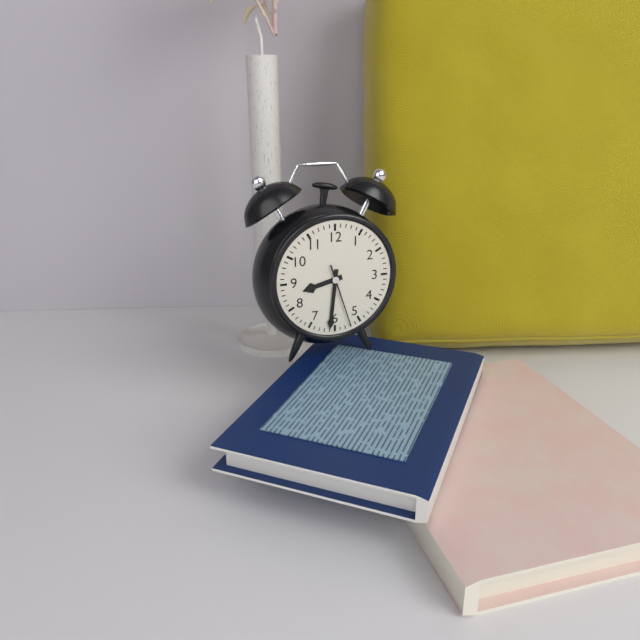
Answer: 8,31,27
